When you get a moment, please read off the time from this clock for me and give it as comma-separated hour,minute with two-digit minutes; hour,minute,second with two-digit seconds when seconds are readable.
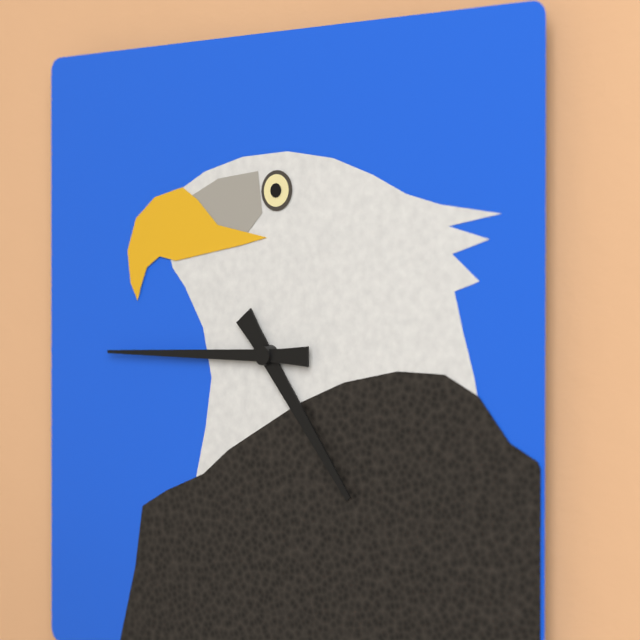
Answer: 4,45
